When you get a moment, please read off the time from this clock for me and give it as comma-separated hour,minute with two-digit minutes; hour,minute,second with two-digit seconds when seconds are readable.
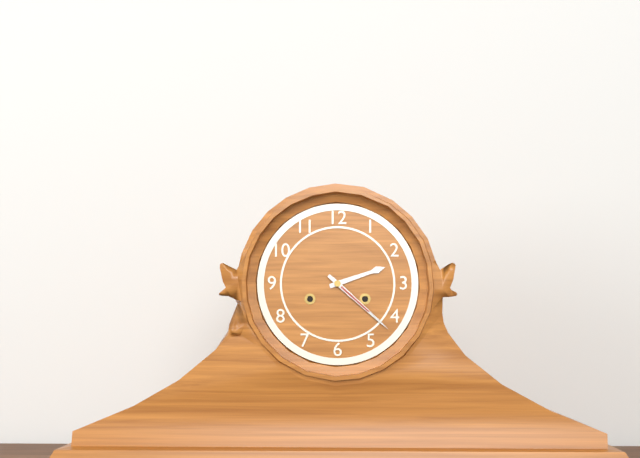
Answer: 2,22
